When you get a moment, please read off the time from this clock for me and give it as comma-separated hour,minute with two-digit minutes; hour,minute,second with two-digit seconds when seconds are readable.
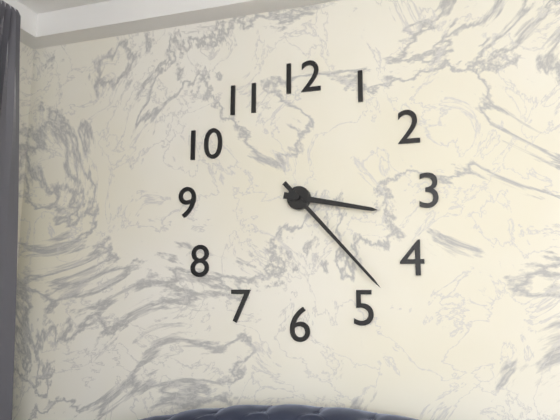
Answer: 3,23
